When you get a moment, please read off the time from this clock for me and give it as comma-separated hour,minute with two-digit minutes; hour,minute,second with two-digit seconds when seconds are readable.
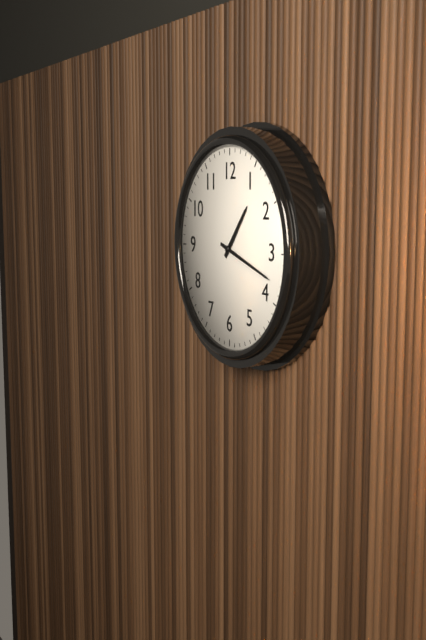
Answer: 1,18
